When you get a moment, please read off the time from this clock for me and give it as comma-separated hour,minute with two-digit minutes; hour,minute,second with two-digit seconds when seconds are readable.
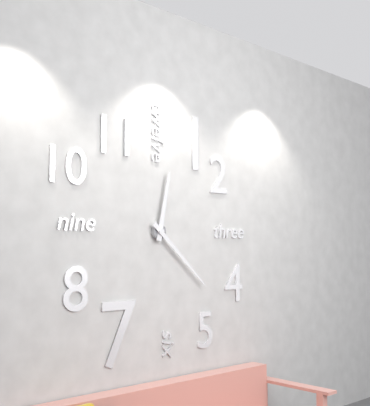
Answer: 12,22
